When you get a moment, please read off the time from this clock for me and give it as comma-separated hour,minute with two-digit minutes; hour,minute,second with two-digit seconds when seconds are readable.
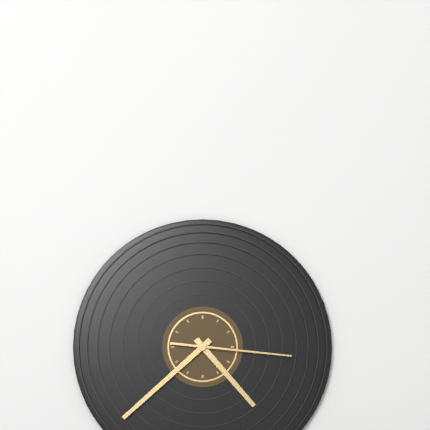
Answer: 4,38,16
